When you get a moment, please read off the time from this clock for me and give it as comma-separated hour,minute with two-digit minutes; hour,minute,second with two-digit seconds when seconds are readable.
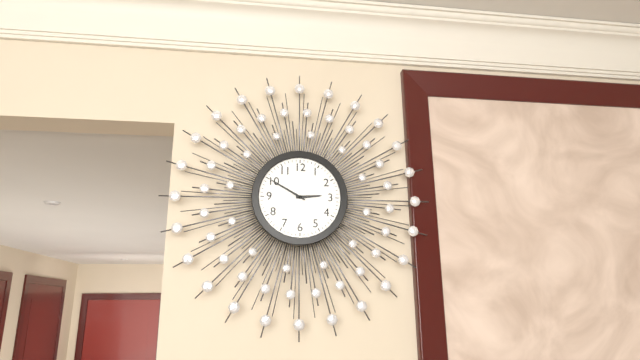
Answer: 2,50
